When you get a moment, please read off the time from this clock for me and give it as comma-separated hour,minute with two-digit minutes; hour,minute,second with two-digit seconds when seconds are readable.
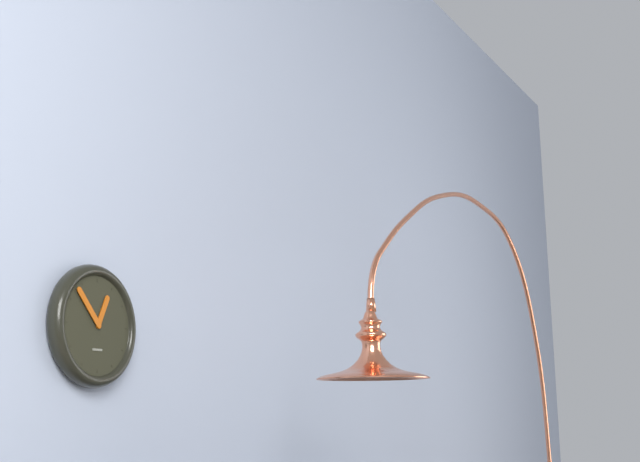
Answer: 12,53
